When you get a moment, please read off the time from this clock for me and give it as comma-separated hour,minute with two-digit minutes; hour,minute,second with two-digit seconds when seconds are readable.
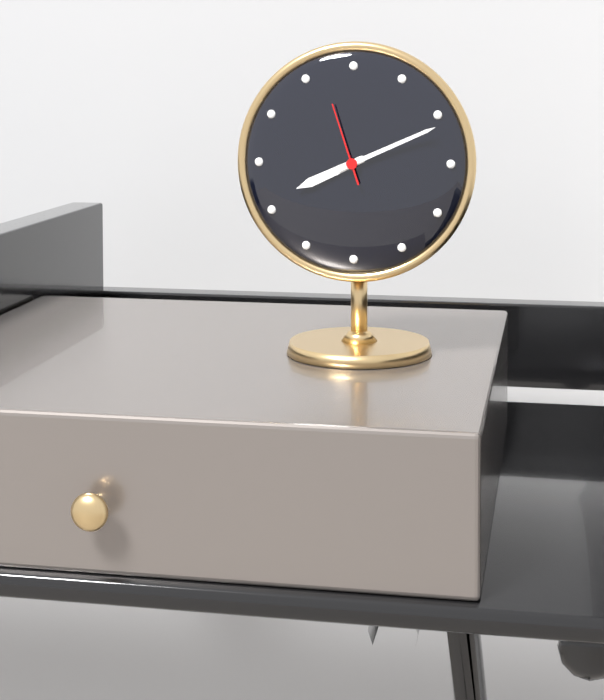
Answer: 8,11,57
